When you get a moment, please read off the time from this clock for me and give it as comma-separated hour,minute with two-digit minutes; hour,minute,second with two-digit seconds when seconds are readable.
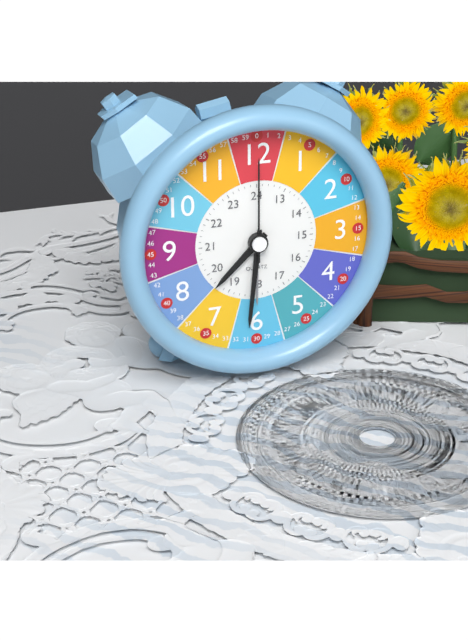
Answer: 7,31,00
